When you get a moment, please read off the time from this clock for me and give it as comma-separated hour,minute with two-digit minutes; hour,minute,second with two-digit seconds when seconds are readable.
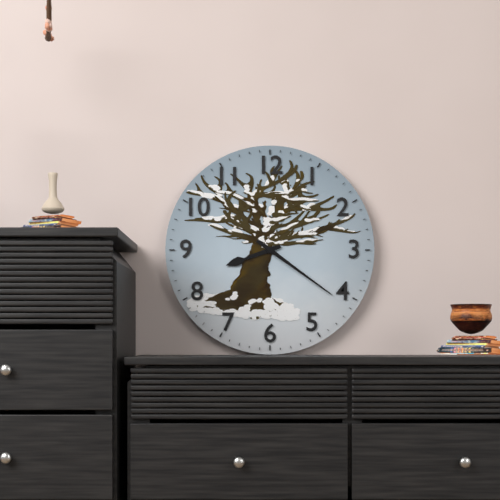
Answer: 8,21
